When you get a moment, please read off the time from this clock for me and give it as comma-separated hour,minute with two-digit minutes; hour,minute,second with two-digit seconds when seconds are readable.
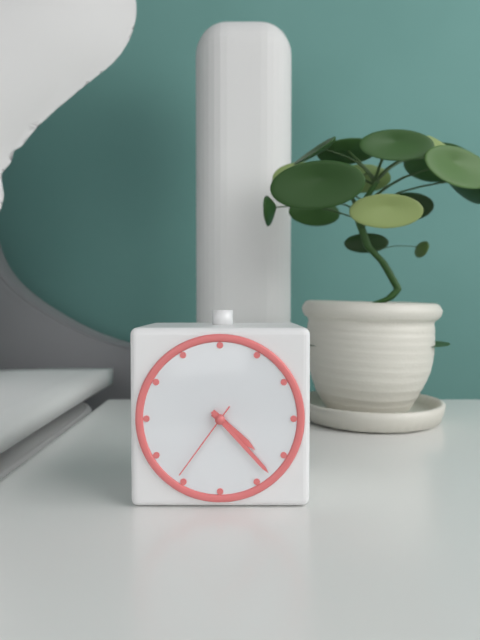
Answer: 4,23,36
